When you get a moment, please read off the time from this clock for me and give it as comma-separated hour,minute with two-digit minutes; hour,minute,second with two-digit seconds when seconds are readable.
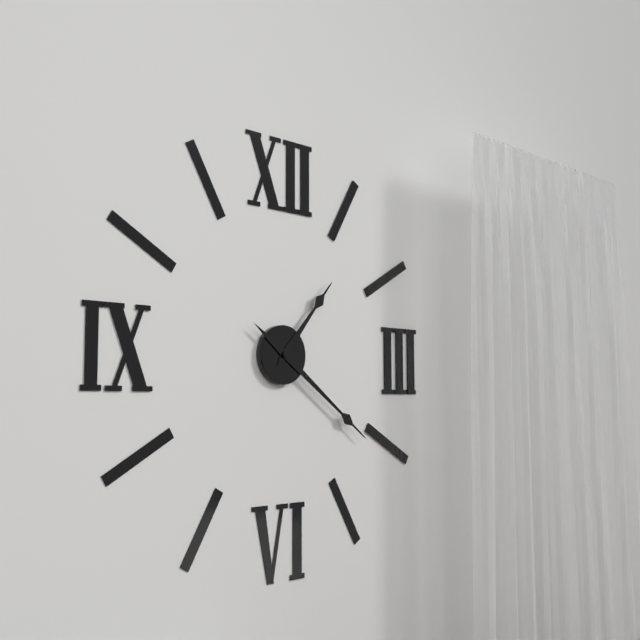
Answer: 1,21
